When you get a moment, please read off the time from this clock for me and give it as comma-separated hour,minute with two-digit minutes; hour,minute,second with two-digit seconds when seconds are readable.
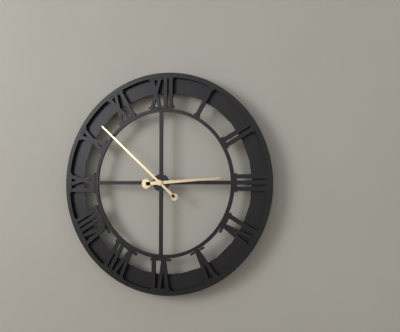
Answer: 2,52
